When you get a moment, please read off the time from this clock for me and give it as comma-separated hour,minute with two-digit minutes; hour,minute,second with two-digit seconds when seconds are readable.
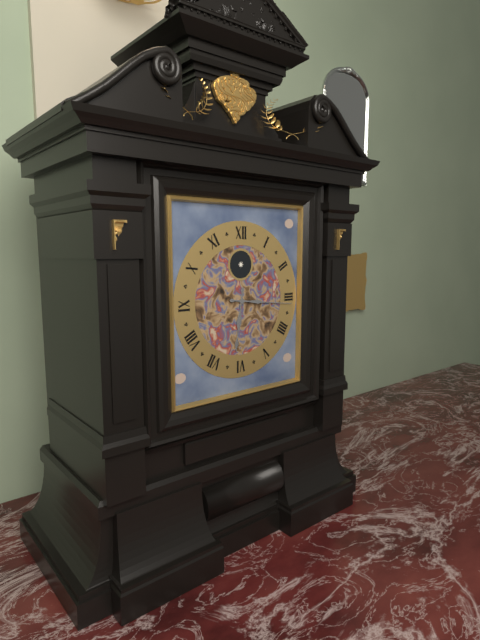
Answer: 6,16
